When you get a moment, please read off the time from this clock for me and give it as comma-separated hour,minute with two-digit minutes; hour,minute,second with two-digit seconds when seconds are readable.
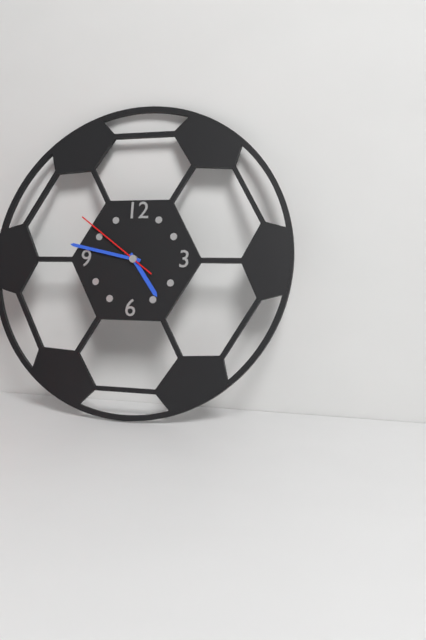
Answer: 4,47,51
